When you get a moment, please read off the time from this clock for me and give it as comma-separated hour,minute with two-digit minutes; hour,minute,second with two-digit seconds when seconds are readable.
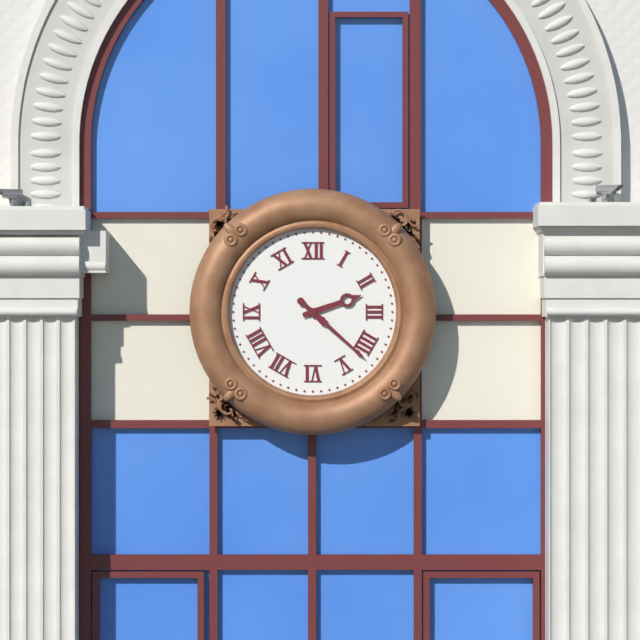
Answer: 2,22
